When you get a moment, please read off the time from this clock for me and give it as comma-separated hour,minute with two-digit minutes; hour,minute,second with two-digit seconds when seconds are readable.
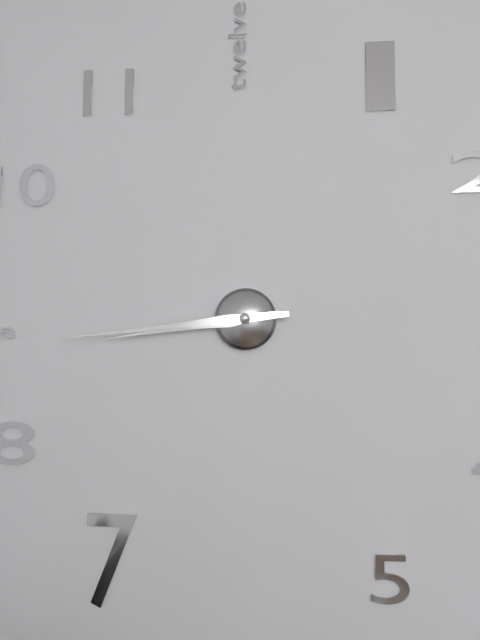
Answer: 8,44
